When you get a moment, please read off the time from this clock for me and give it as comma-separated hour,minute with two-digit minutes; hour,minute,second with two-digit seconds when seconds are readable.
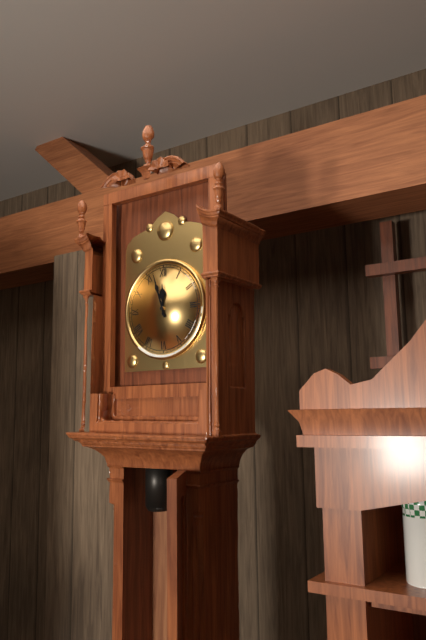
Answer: 11,57
